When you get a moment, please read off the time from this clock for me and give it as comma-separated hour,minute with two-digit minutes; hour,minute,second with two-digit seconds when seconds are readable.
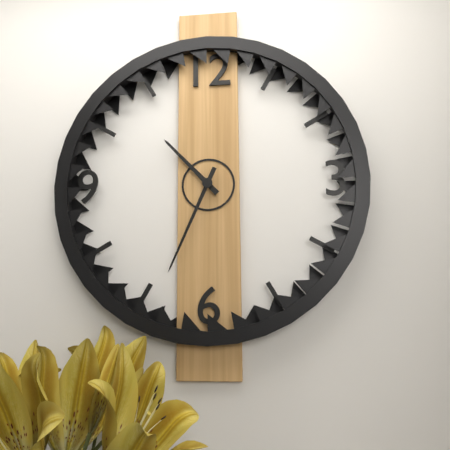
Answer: 10,34
